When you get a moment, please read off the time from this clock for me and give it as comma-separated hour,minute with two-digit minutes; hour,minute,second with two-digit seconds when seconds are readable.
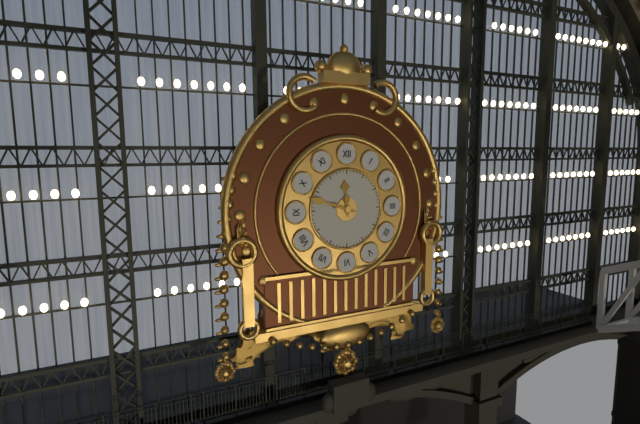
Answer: 11,48
